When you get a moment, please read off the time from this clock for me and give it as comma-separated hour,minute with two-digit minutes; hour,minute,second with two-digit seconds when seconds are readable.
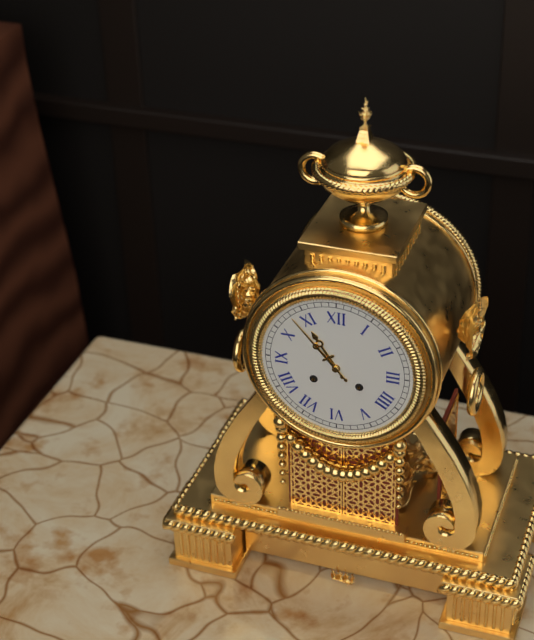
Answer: 10,53
